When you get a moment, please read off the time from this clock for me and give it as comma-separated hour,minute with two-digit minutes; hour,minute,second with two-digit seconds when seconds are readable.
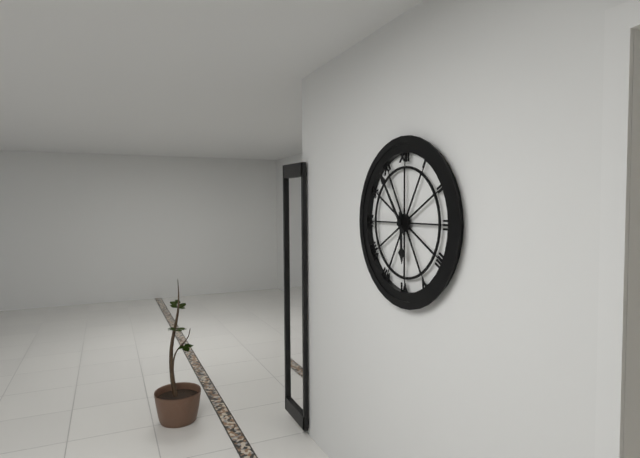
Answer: 5,54
